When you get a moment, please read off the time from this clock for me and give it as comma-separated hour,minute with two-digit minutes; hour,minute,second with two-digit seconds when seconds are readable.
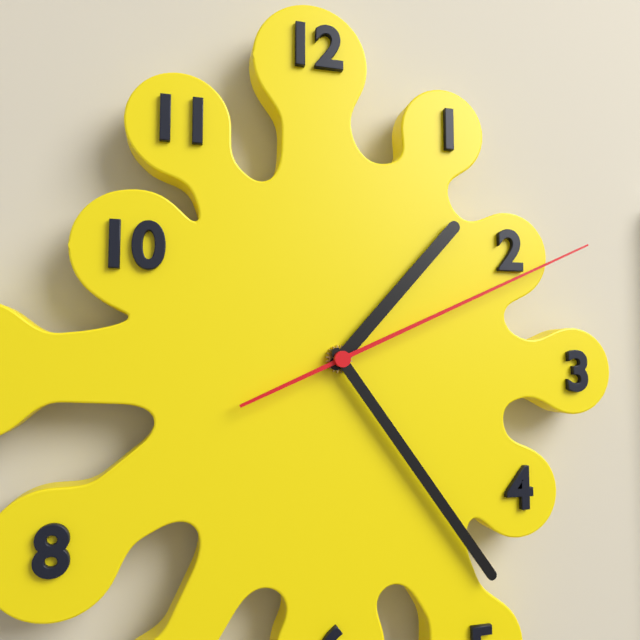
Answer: 1,24,11
